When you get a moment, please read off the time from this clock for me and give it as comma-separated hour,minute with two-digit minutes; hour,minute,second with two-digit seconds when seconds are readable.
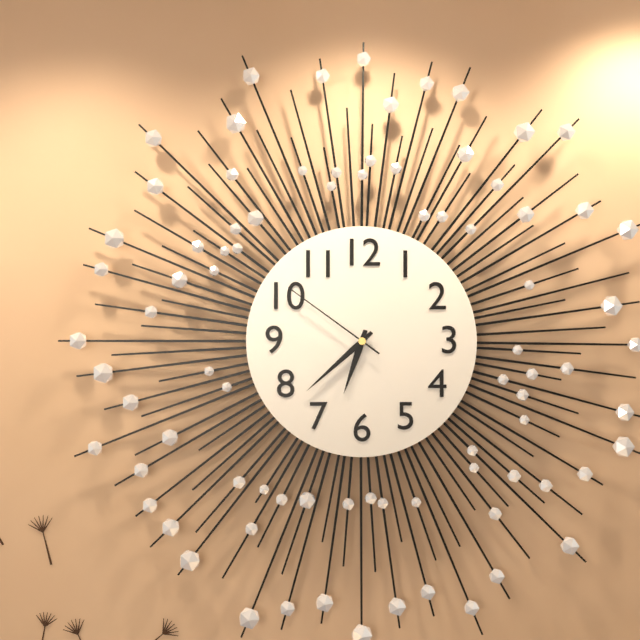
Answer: 6,38,51
